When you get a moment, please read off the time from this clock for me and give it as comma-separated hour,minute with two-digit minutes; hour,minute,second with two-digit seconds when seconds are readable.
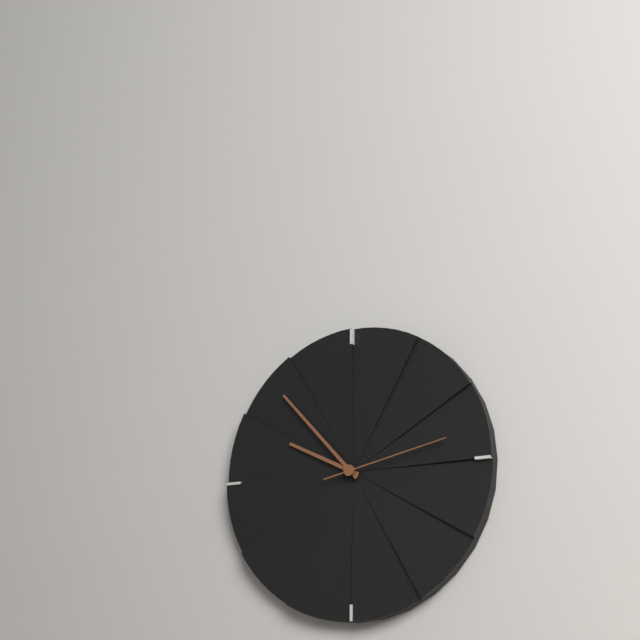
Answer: 9,53,13
